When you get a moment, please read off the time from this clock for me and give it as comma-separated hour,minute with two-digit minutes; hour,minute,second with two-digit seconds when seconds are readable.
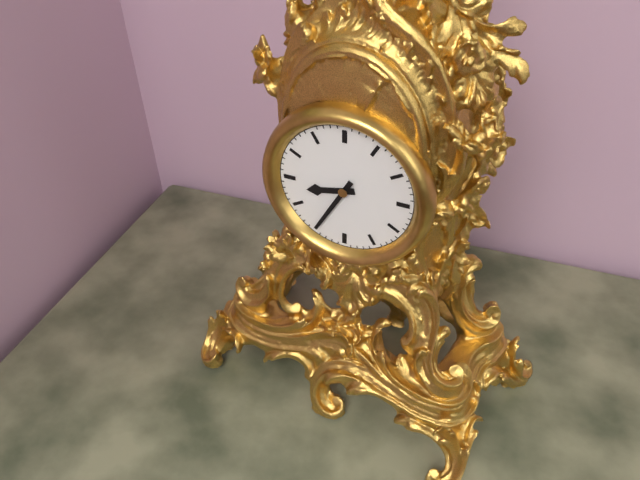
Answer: 8,35
